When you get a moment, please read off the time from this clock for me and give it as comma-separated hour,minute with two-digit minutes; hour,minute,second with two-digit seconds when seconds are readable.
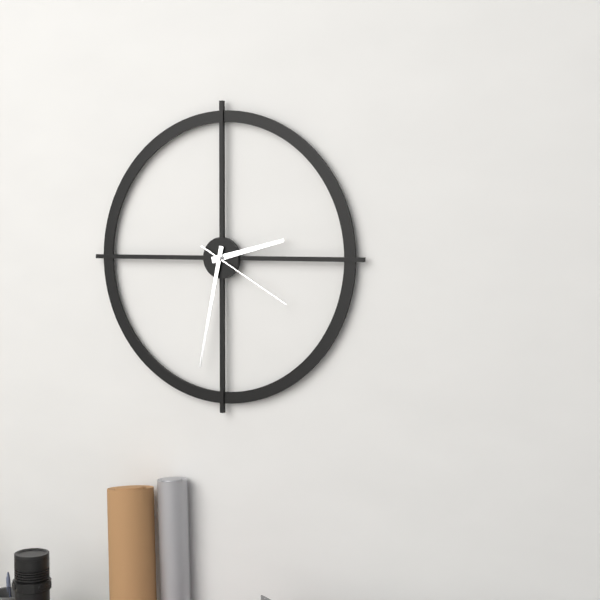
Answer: 2,32,20
